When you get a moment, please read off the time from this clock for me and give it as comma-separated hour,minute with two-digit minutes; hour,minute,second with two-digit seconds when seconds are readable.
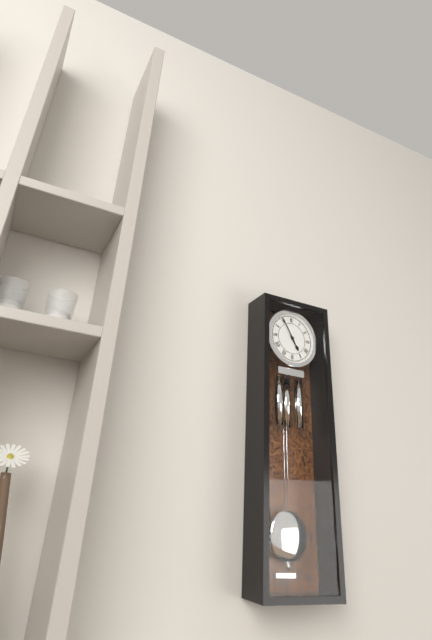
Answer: 4,55
